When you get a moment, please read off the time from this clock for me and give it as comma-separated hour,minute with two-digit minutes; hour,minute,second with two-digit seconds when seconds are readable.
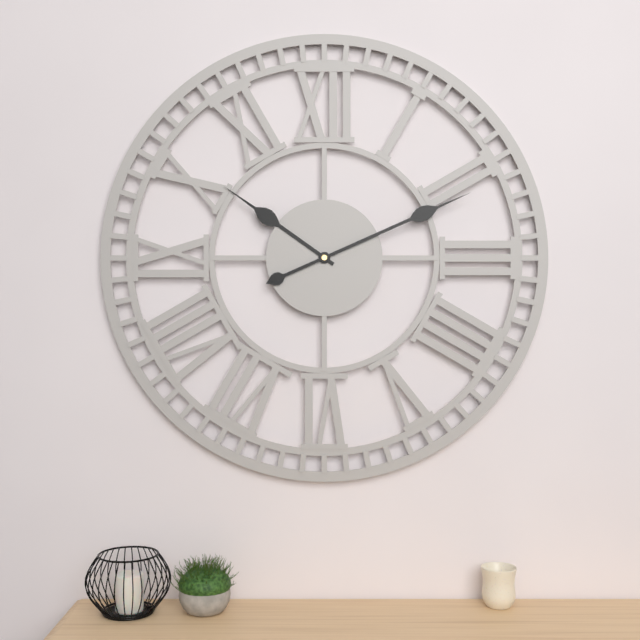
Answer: 10,11
